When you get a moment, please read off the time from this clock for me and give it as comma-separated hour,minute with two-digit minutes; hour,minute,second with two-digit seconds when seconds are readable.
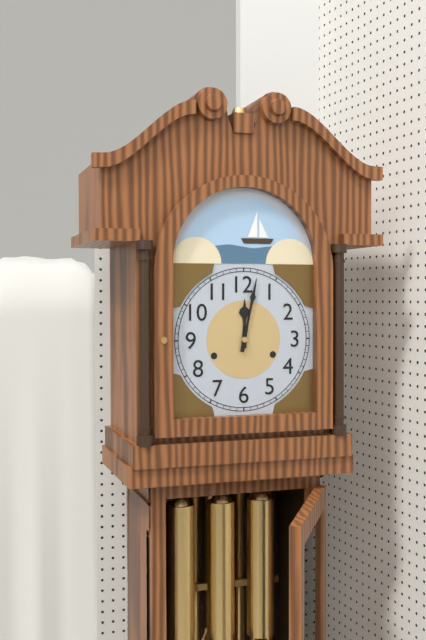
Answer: 12,02
